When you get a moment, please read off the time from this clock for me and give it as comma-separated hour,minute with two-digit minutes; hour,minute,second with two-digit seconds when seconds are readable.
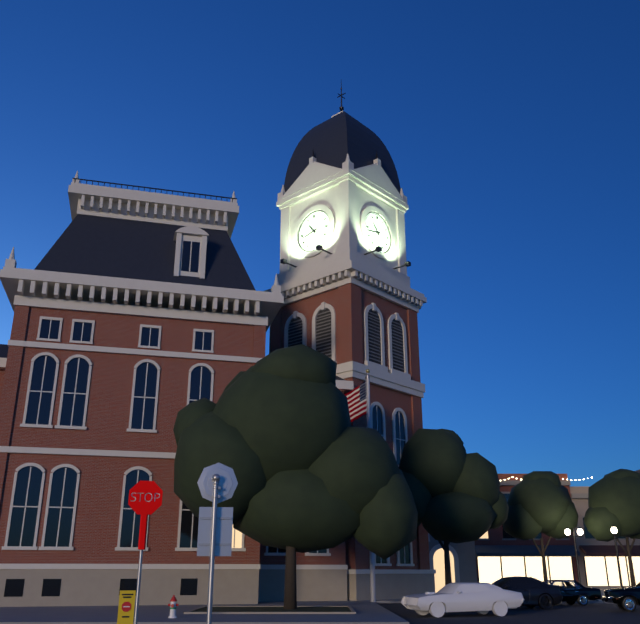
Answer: 10,43
